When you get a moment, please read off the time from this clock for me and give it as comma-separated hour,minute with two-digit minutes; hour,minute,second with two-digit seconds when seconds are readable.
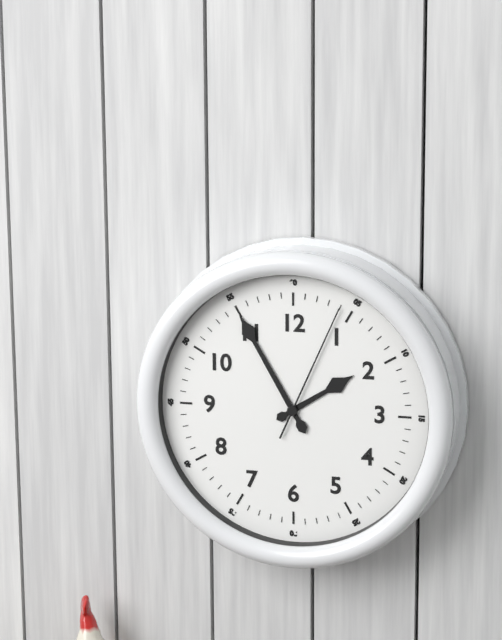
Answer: 1,55,04
